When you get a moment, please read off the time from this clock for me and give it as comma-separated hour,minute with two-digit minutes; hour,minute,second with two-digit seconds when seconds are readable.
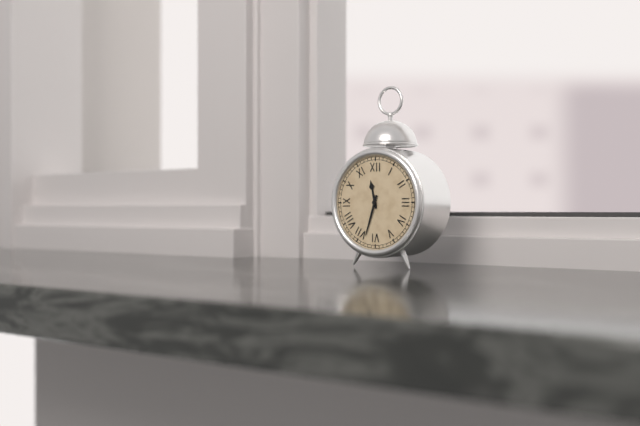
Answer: 11,33
